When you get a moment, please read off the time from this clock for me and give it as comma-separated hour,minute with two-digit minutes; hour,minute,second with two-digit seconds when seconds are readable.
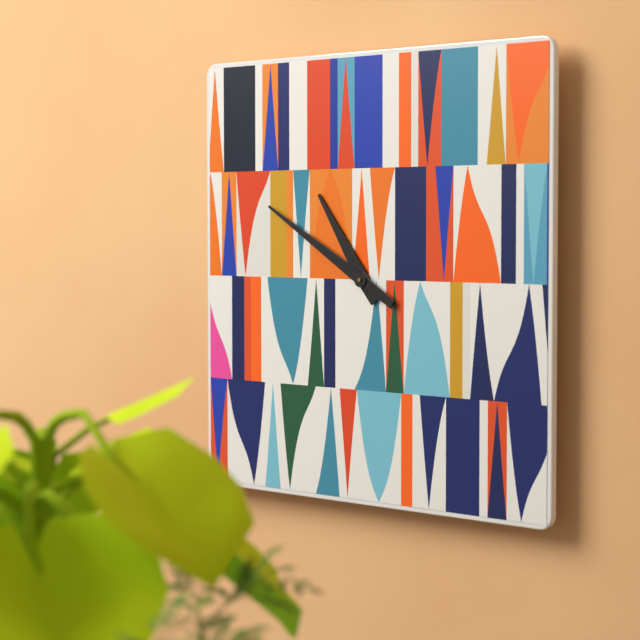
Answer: 10,50
